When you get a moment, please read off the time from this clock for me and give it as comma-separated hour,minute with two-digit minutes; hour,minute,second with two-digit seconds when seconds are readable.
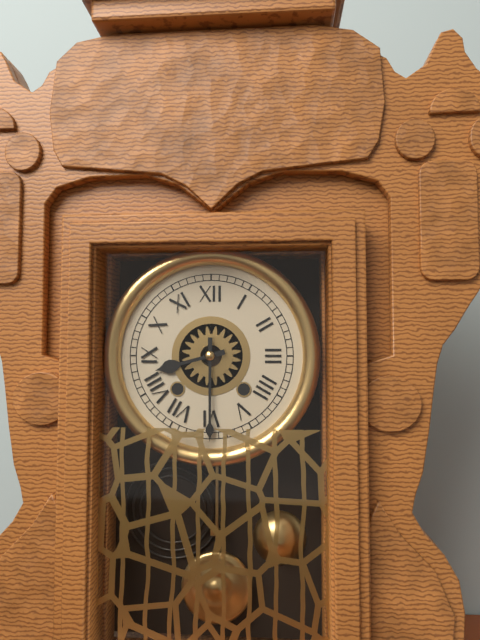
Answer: 8,30
